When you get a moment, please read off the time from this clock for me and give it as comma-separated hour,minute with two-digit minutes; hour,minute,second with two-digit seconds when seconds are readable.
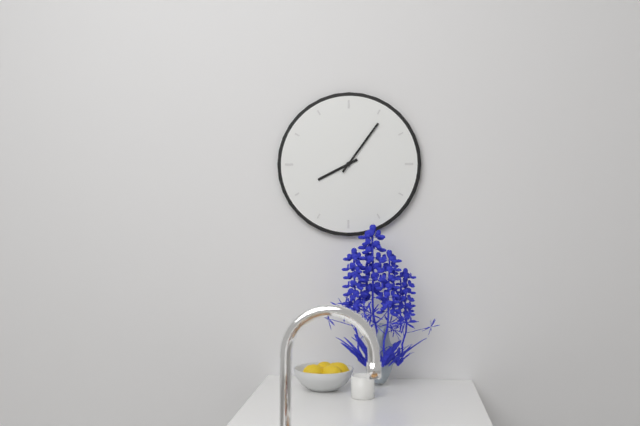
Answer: 8,06
